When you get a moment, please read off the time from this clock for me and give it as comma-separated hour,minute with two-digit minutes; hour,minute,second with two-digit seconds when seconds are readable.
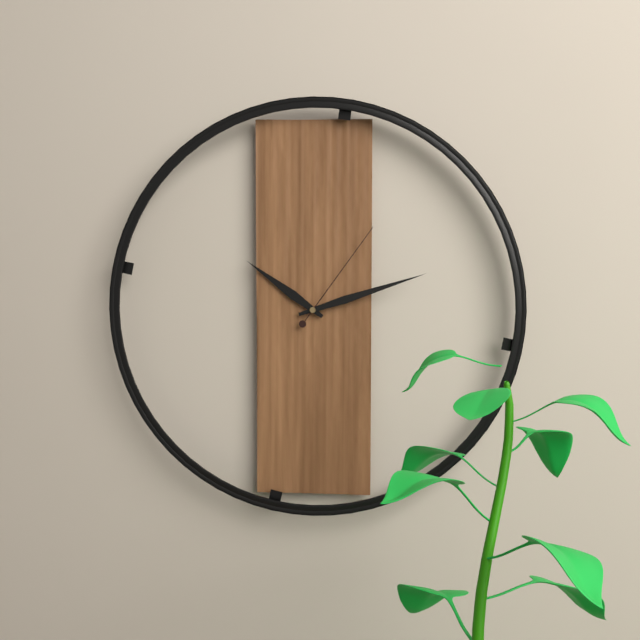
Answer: 10,12,06
